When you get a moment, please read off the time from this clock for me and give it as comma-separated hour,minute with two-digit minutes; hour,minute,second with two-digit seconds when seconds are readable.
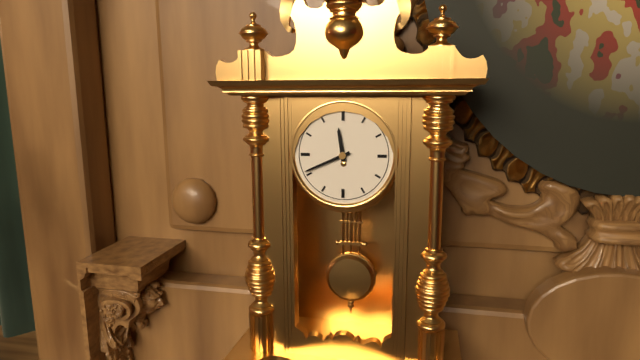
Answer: 11,41
